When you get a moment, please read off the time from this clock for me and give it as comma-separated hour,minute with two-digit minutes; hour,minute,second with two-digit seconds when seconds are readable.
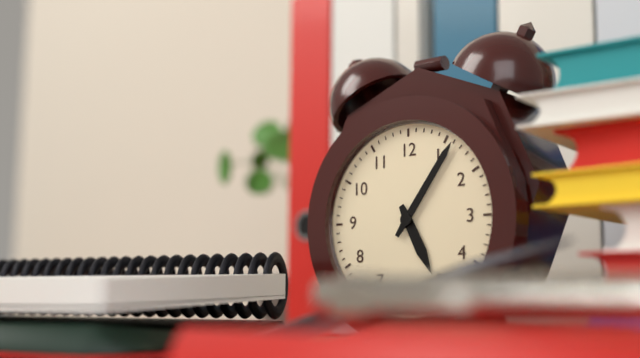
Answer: 5,06
